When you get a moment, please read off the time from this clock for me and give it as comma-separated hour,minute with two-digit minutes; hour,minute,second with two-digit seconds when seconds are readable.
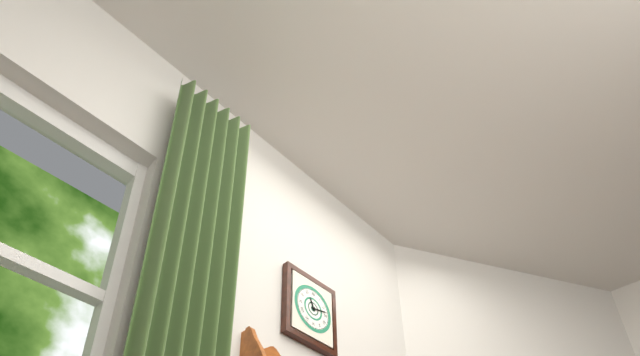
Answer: 11,13
